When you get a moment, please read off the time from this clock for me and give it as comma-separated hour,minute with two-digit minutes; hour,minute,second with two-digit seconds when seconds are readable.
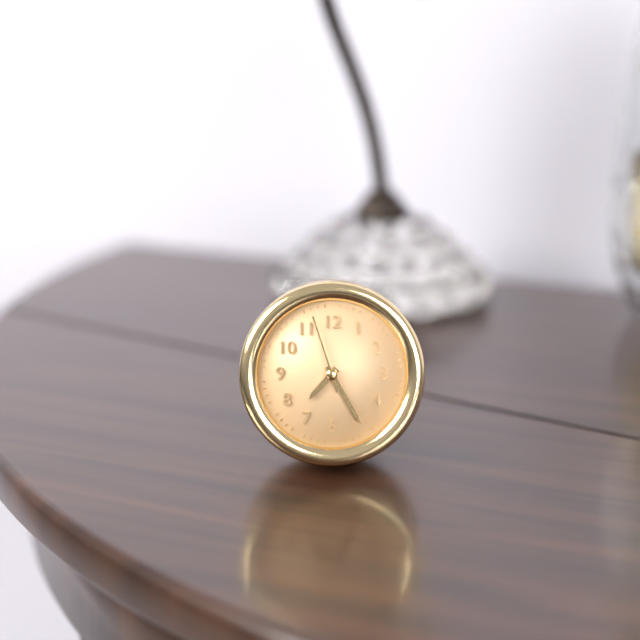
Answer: 7,25,57
